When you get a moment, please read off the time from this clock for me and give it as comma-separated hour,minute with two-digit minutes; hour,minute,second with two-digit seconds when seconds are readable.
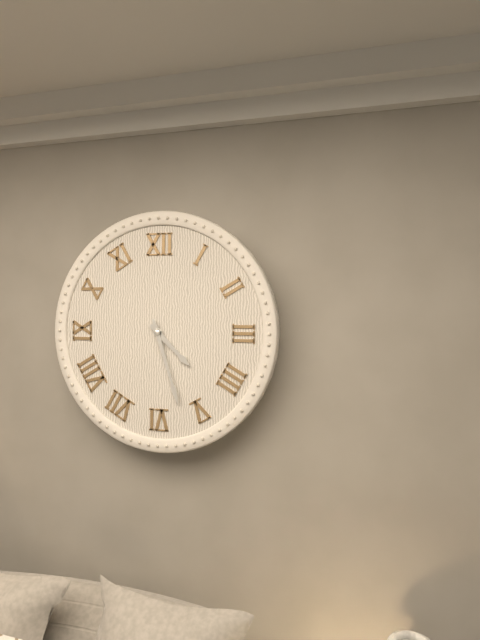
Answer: 4,27
